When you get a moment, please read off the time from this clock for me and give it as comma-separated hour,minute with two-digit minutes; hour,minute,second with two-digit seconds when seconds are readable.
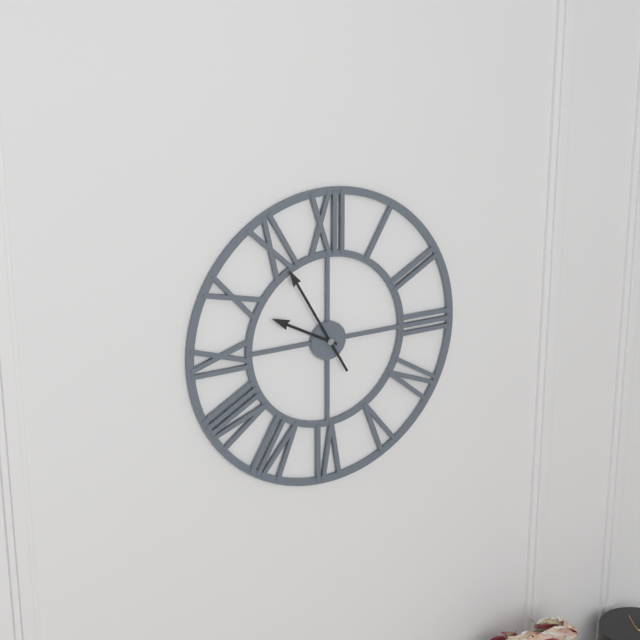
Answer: 9,55
